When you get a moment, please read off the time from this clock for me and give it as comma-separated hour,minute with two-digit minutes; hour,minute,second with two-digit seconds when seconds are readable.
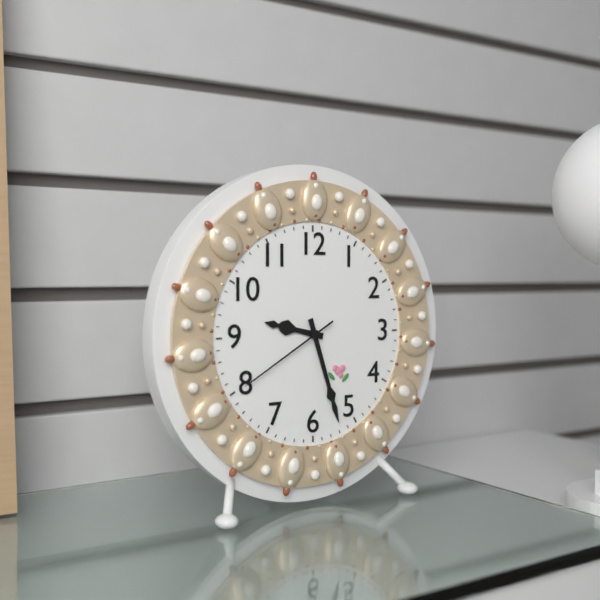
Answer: 9,27,40
